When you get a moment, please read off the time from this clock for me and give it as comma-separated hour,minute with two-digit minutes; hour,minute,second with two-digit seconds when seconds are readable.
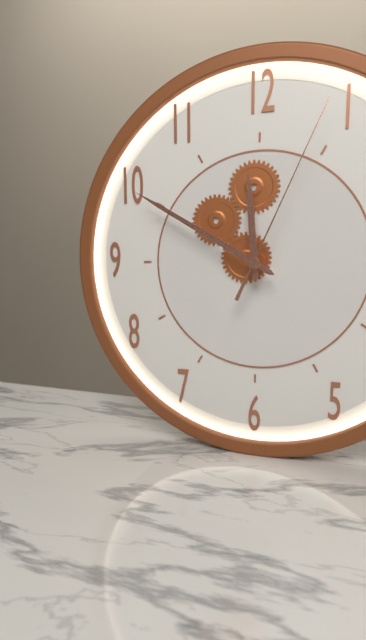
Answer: 11,50,04
